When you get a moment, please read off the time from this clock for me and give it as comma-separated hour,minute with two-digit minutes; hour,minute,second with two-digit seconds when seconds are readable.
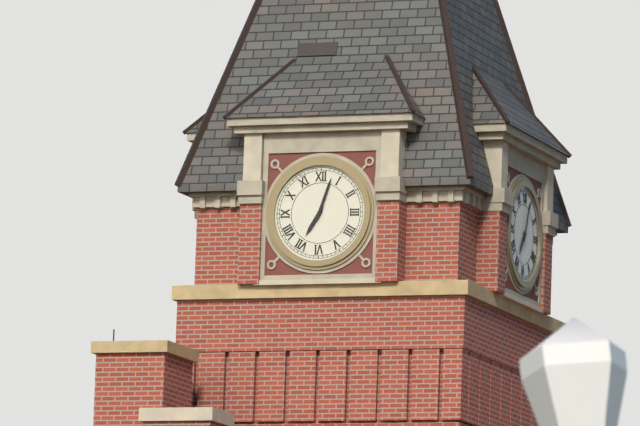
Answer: 7,03
